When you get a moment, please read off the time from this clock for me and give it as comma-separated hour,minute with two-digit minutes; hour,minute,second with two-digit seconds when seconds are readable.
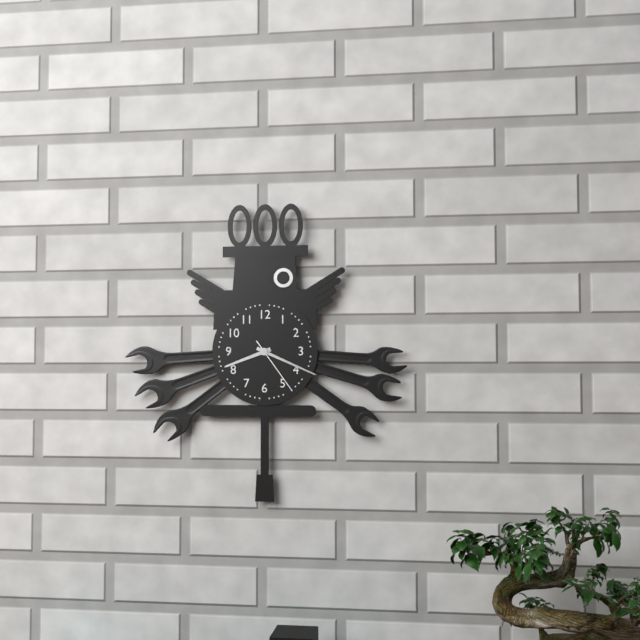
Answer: 8,19,24
